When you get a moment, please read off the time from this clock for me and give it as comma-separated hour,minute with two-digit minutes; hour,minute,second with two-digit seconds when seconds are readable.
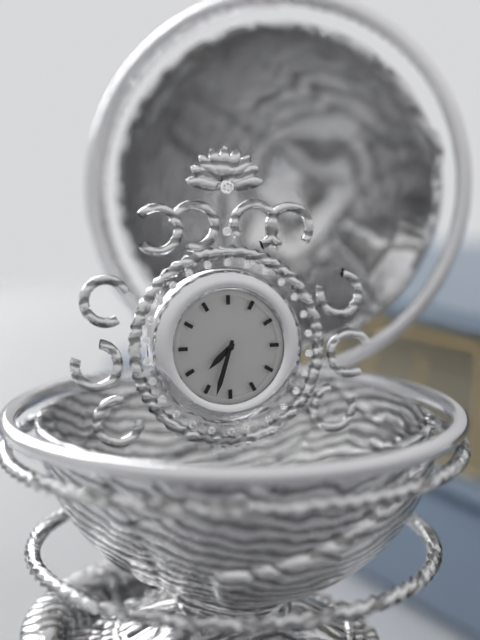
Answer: 7,33
